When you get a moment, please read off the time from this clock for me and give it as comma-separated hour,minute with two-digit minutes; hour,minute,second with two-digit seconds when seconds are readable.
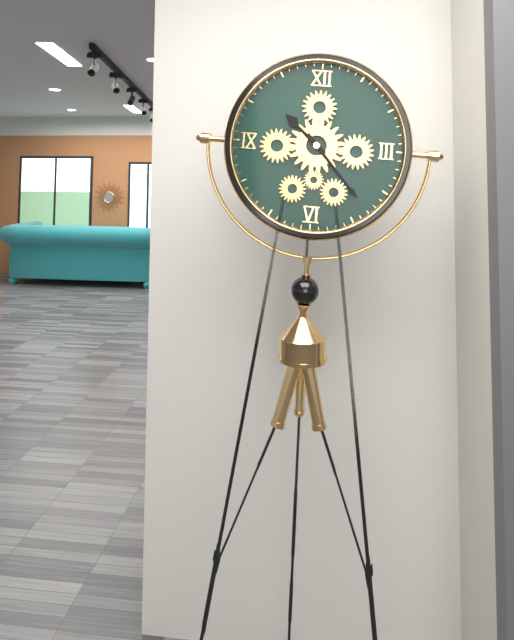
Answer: 10,23
